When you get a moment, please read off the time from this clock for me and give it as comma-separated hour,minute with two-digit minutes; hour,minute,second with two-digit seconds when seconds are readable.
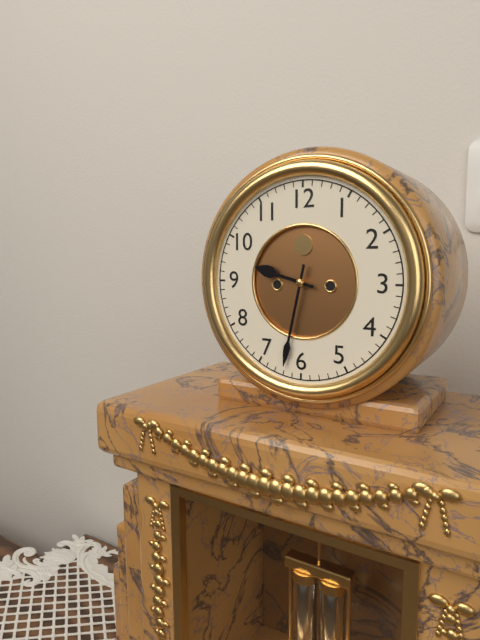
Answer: 9,32
